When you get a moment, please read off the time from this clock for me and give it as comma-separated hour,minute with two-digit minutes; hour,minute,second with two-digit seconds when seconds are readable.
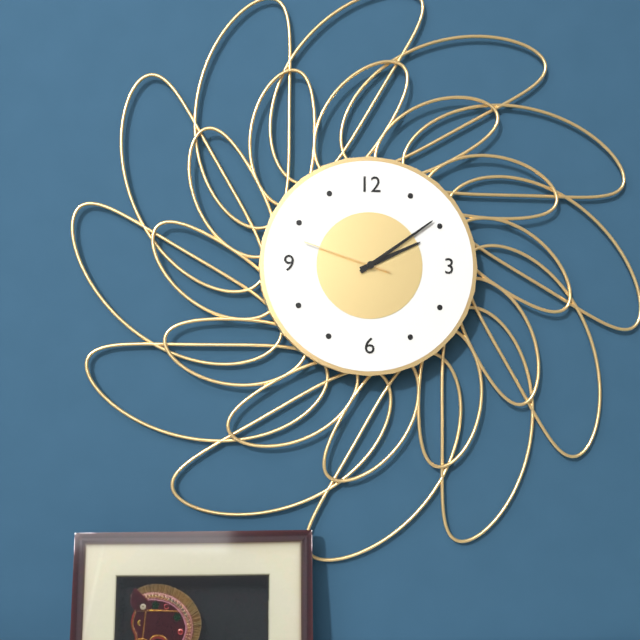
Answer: 2,09,48
